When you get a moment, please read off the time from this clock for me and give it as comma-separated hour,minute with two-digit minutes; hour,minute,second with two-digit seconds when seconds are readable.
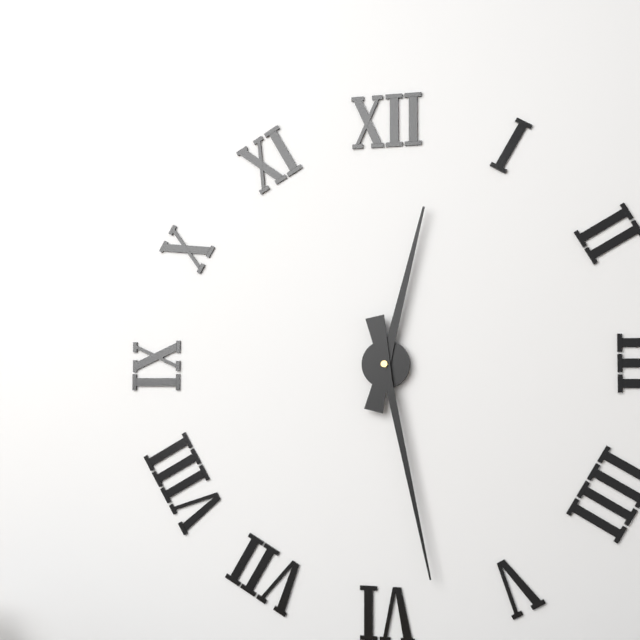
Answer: 12,28
